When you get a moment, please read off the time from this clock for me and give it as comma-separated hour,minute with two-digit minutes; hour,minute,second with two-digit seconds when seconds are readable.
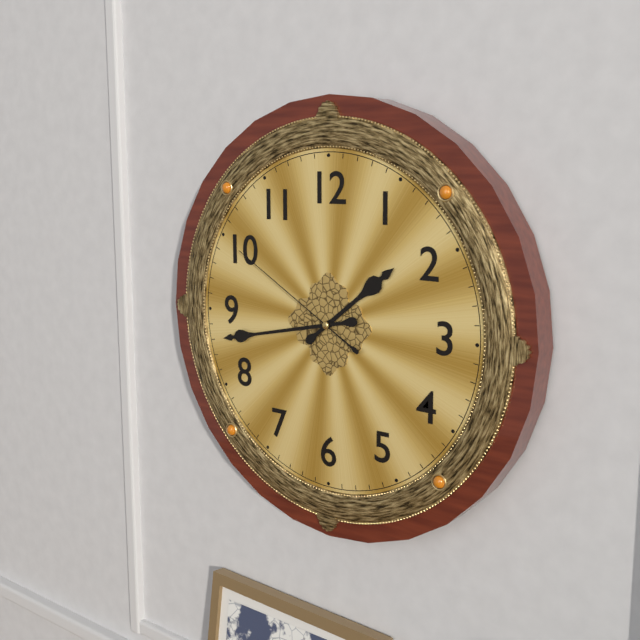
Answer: 1,43,50
